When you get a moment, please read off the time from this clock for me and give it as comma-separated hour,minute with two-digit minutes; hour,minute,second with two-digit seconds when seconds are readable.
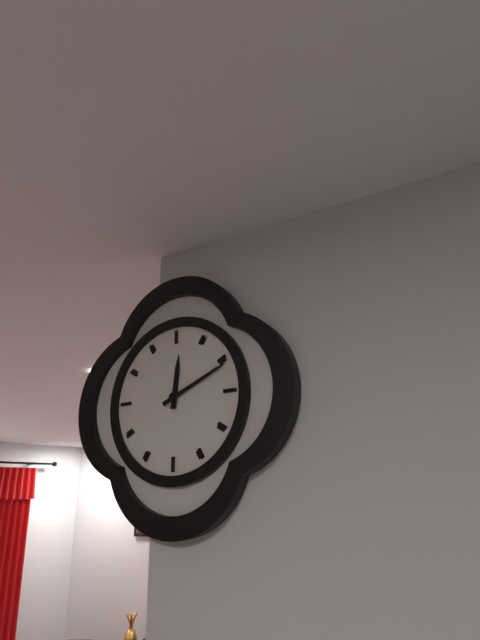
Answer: 12,11
